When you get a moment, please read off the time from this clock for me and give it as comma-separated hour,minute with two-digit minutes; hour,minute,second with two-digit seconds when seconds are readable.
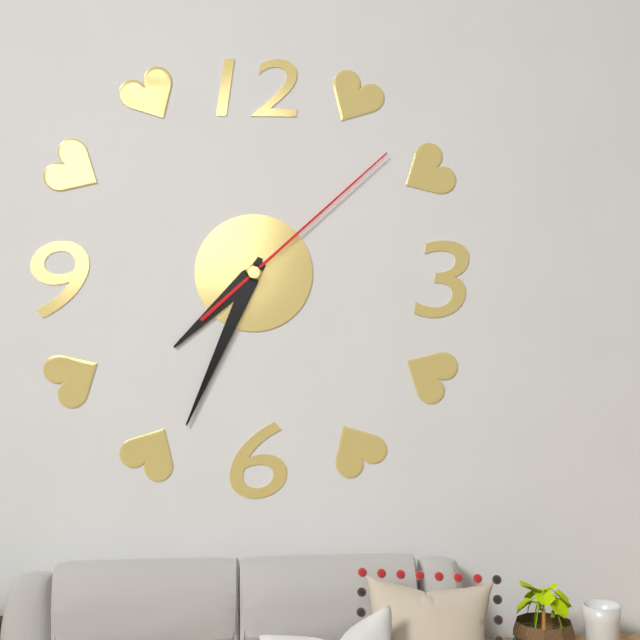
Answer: 7,34,08
